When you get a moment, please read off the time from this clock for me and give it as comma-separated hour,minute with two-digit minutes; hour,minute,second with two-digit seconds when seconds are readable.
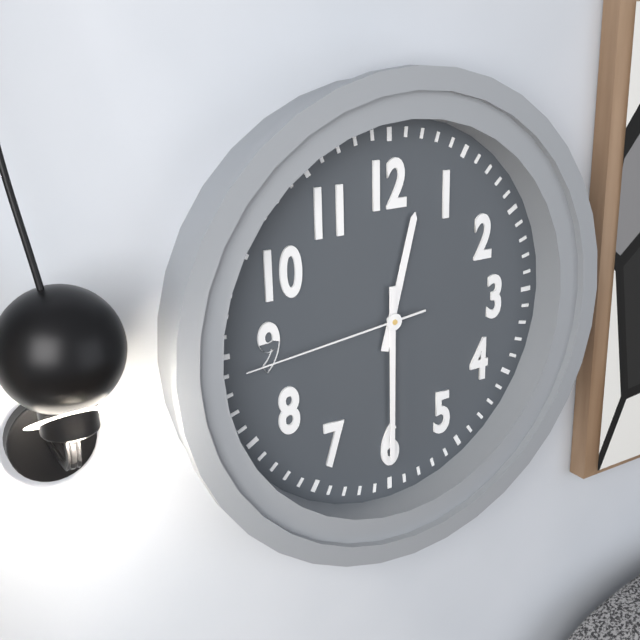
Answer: 12,30,44
